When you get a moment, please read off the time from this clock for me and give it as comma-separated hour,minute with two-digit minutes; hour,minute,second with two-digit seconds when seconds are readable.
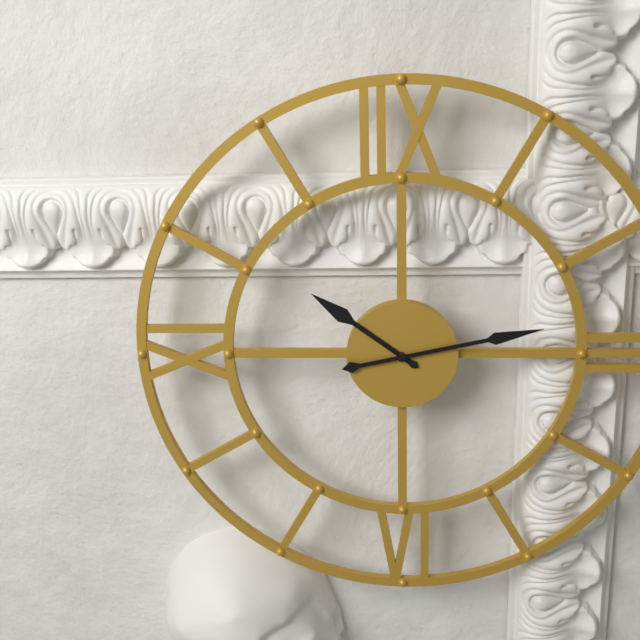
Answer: 10,13
